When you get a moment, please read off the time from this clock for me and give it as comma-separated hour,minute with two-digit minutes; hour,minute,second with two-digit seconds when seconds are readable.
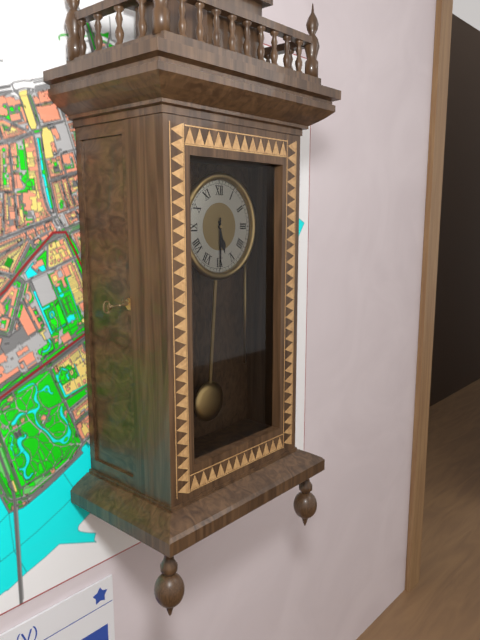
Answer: 5,30
